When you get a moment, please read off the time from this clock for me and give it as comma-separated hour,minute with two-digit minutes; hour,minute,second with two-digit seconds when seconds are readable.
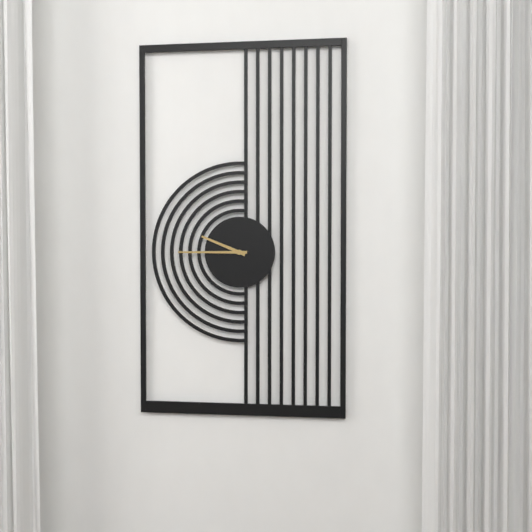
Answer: 9,45
